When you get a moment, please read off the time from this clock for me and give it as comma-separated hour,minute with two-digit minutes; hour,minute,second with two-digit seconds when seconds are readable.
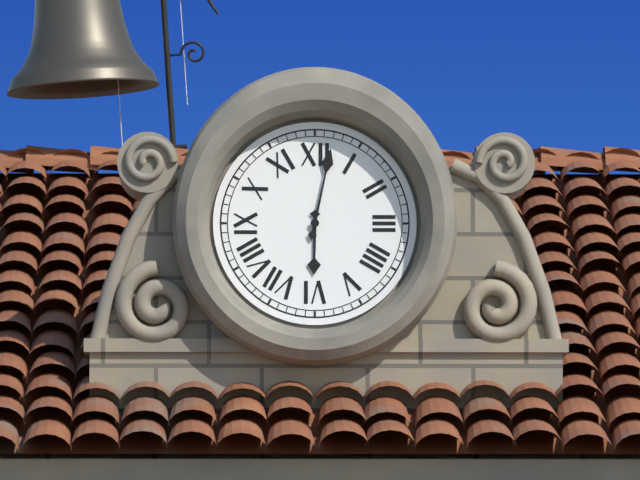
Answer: 6,02
